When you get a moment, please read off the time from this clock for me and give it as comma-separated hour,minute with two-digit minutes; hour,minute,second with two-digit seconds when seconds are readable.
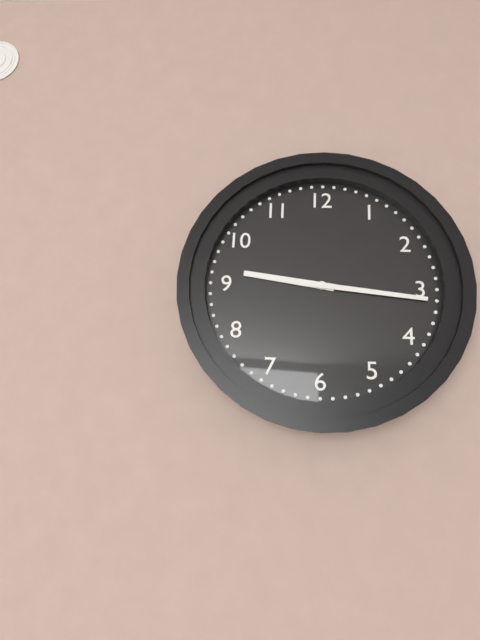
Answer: 9,16
